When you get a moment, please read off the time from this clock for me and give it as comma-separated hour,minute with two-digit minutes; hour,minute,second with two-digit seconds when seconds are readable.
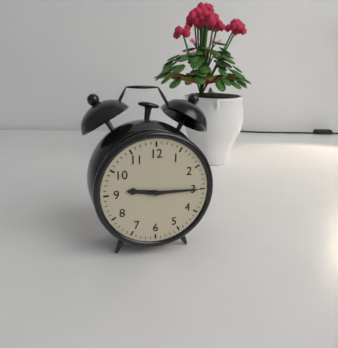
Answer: 9,15
